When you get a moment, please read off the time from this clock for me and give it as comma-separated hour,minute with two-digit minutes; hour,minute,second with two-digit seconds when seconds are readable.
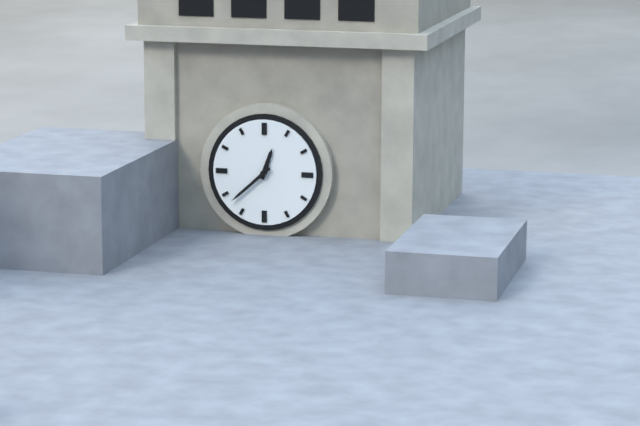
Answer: 12,38
